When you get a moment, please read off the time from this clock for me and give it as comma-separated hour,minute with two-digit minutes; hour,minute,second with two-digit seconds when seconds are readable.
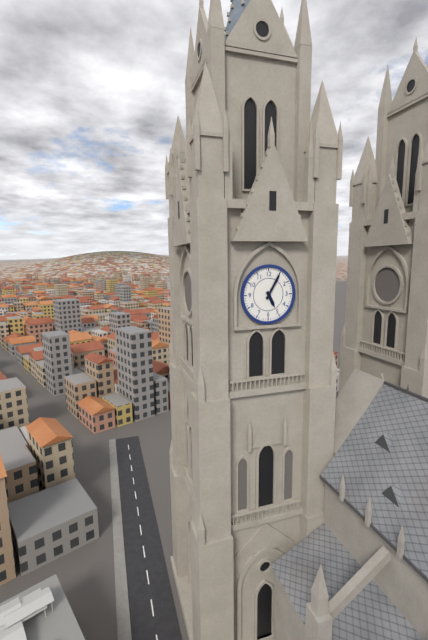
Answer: 5,05
